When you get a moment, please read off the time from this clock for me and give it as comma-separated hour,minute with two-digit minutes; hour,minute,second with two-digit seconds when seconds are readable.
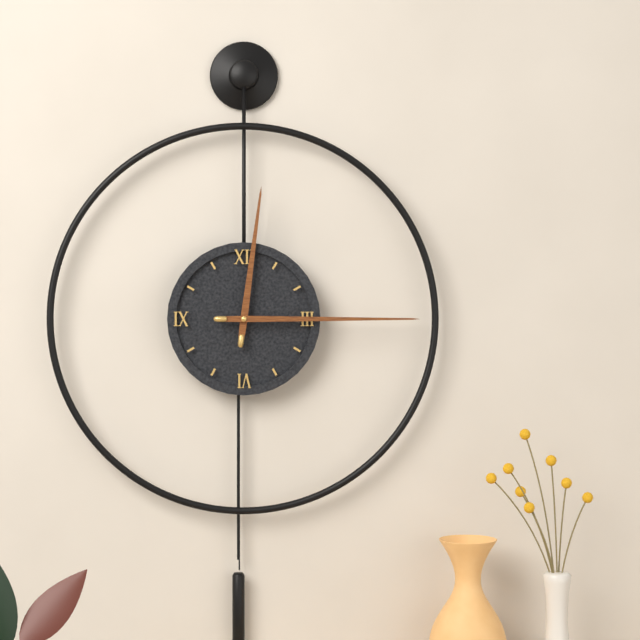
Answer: 12,15
